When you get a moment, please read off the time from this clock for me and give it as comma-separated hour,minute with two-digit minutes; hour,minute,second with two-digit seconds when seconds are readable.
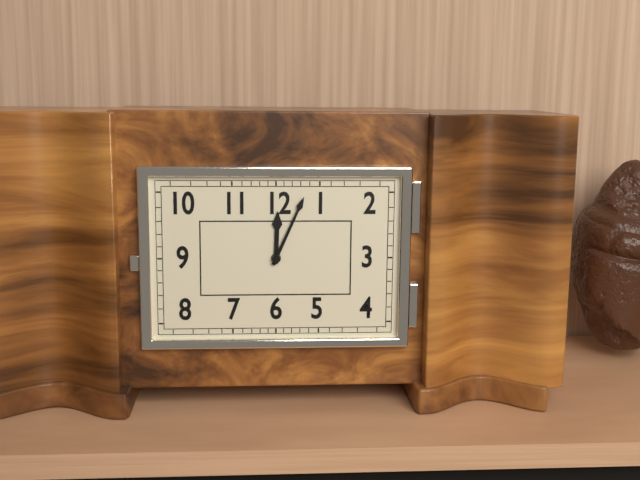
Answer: 12,04
